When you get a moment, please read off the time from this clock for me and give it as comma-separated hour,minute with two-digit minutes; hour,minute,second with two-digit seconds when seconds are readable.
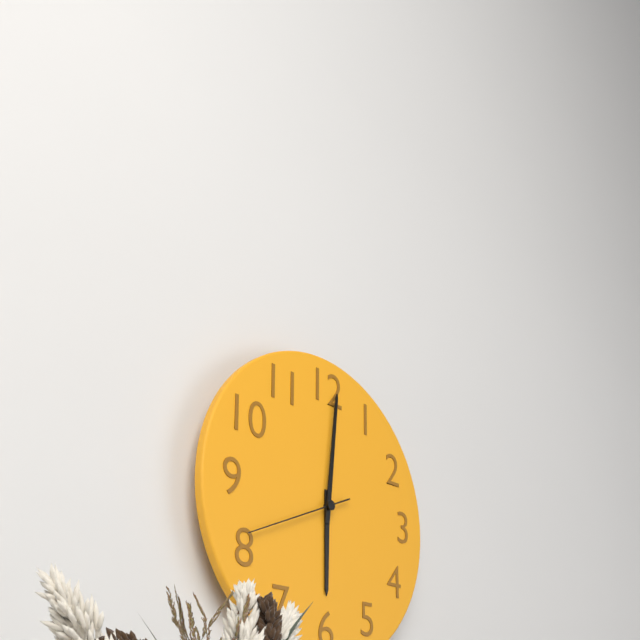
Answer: 6,01,41
